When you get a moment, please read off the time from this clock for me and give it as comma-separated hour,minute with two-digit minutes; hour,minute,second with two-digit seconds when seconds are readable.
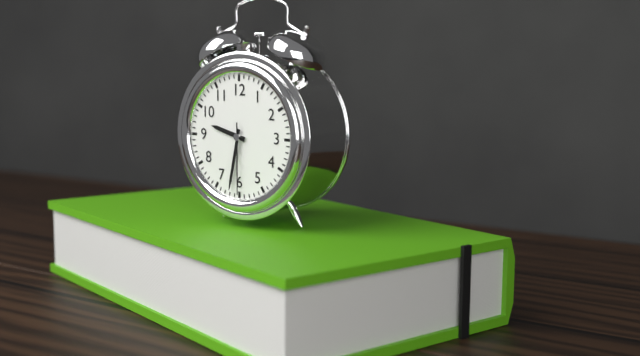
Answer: 9,32,30
